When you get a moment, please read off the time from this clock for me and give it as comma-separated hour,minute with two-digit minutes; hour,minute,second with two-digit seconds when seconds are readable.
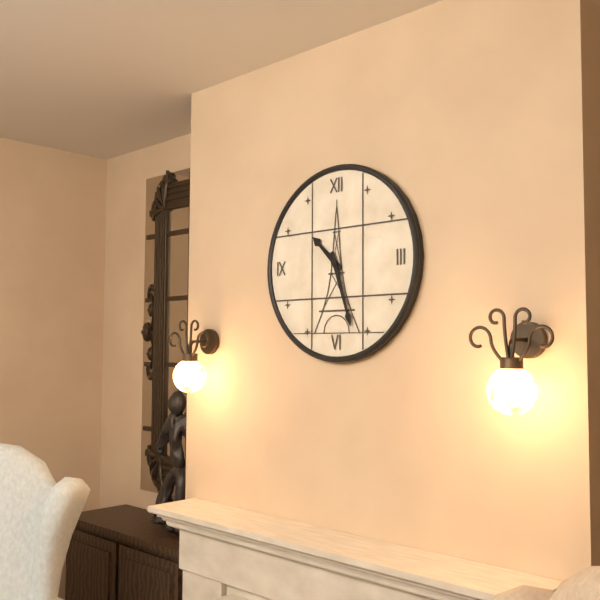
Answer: 10,27
